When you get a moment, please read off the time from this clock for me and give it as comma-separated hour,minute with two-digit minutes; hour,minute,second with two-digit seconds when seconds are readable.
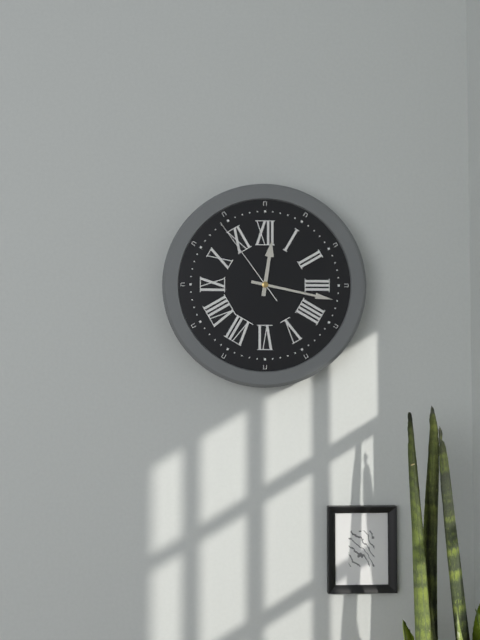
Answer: 12,17,54
